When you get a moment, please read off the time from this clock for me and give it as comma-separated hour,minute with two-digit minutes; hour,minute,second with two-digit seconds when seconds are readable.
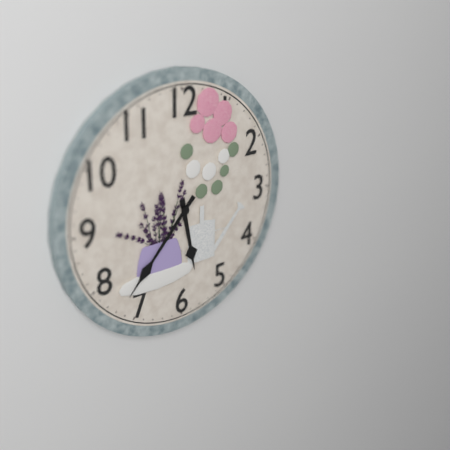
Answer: 5,37
